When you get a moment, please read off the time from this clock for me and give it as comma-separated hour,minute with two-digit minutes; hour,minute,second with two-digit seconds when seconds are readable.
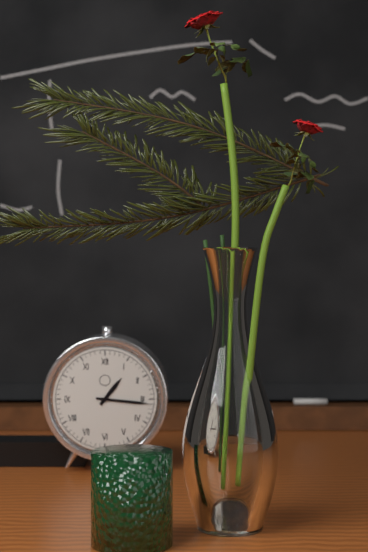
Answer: 1,16
